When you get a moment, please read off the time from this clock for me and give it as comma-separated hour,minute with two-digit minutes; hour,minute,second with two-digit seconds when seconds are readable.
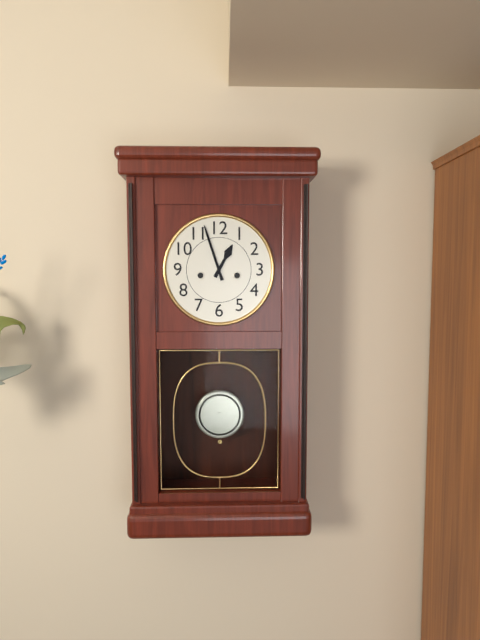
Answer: 12,57
